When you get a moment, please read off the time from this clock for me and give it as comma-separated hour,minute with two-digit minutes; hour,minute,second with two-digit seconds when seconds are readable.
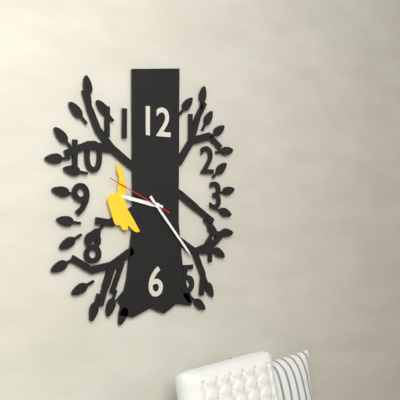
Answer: 9,23,49
